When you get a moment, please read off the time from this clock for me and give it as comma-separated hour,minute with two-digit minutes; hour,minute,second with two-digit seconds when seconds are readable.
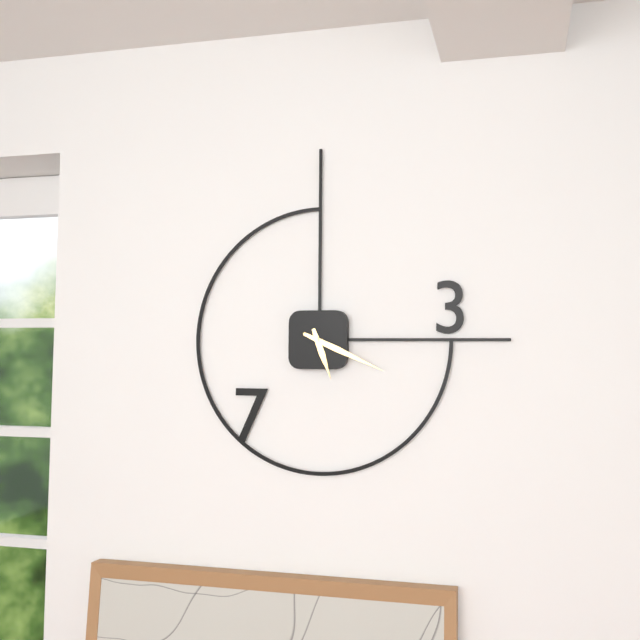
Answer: 5,19
